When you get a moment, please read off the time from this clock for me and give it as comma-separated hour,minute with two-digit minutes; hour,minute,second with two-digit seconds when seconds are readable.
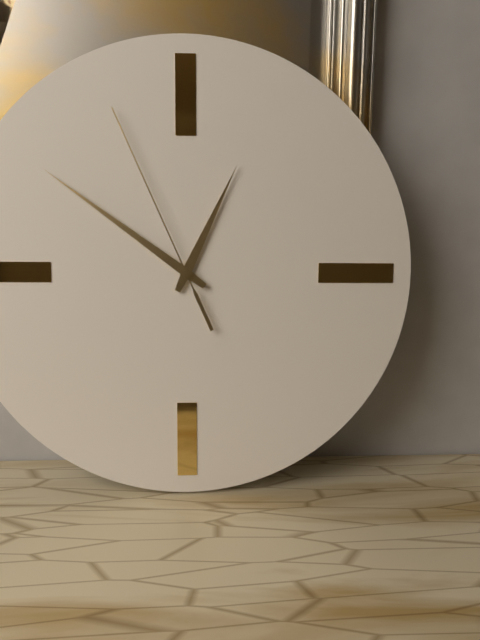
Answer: 12,51,56
